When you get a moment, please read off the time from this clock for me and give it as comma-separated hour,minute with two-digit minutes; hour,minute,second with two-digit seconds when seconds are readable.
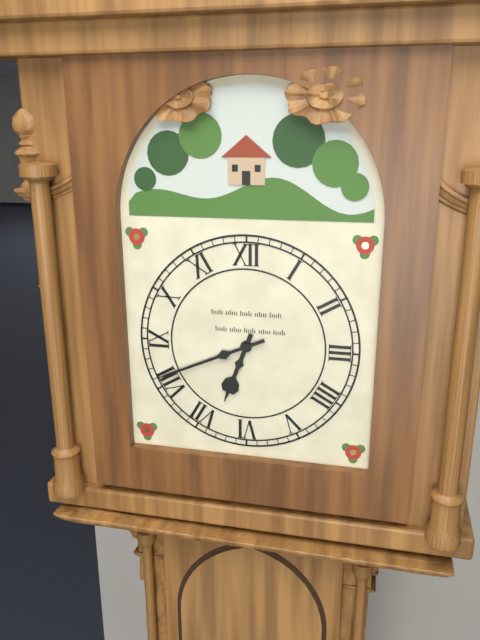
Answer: 6,41
